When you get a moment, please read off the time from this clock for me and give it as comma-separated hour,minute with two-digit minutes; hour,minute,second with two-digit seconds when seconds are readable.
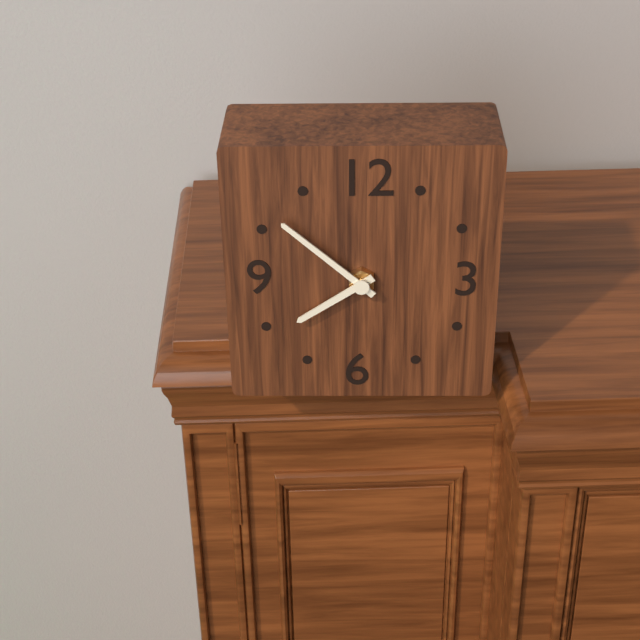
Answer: 7,52
